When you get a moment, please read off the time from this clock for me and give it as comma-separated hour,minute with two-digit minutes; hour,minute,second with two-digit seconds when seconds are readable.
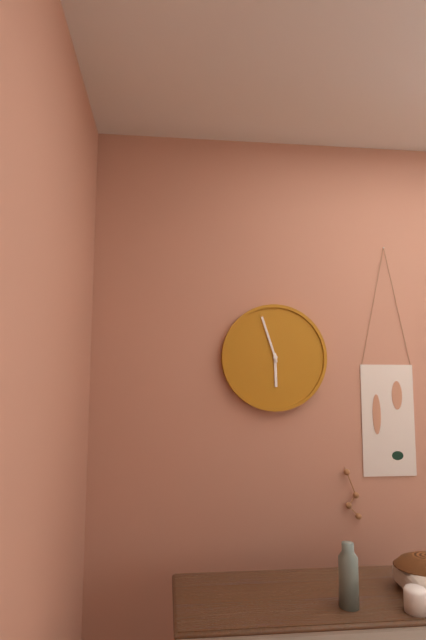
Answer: 5,57
